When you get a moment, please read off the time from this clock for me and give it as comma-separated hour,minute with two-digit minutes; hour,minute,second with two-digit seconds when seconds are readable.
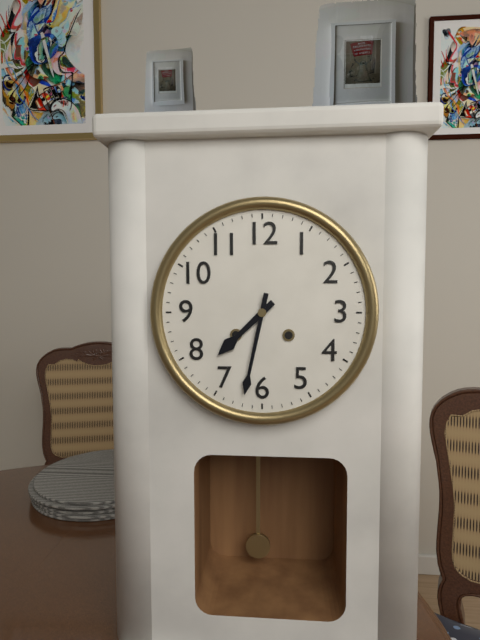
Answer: 7,32
